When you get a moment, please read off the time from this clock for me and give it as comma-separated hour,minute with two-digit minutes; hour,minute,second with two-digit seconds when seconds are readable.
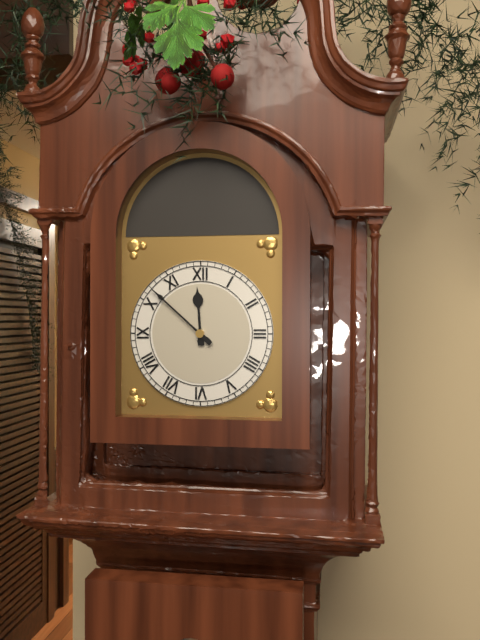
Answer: 11,52
